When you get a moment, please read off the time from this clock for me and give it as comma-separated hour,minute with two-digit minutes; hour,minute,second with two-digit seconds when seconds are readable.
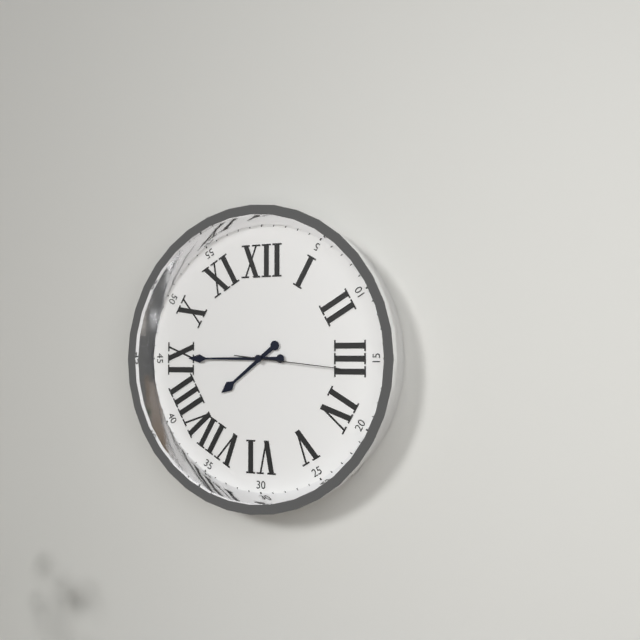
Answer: 7,45,16
